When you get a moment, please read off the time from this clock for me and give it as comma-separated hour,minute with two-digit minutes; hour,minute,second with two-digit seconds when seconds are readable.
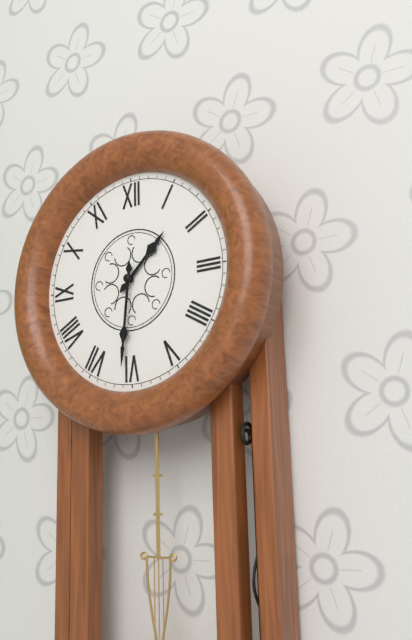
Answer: 1,31
